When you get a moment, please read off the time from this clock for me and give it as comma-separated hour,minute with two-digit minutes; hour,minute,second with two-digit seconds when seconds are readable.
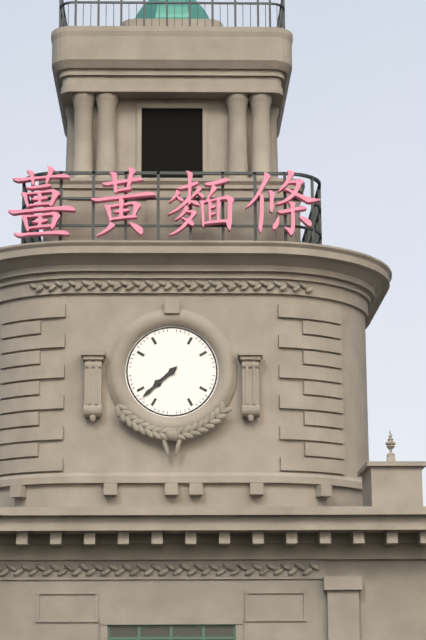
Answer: 7,38
